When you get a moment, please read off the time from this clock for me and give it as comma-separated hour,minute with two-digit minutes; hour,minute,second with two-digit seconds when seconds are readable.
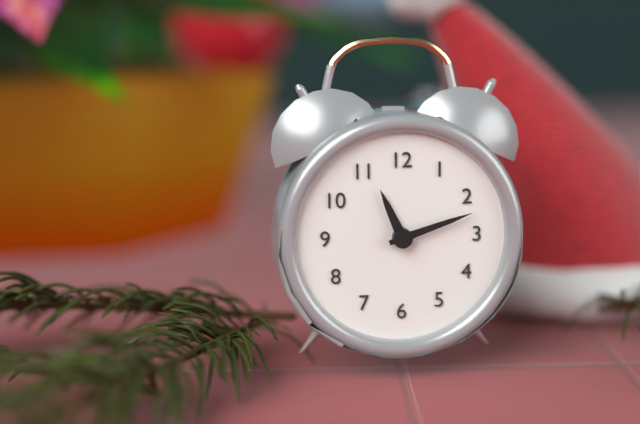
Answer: 11,12
